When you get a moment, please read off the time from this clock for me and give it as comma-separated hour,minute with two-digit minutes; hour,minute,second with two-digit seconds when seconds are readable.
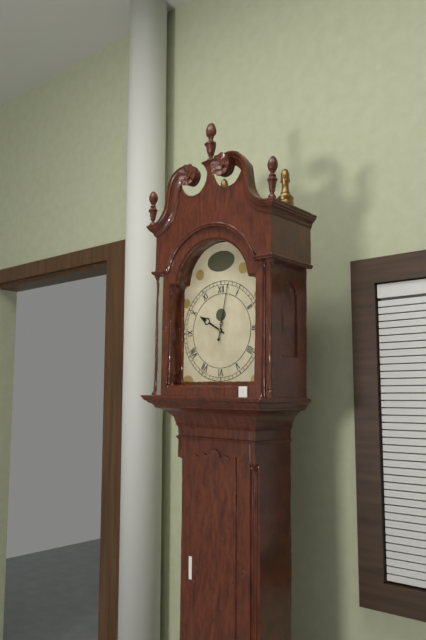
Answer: 10,02
